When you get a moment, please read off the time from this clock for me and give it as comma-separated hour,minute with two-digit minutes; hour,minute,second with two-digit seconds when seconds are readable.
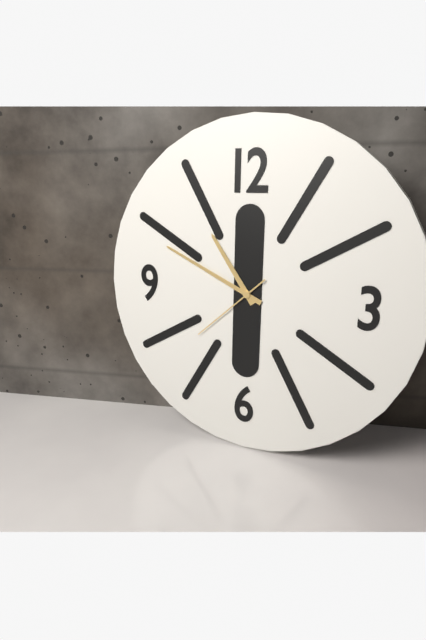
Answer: 10,49,38
